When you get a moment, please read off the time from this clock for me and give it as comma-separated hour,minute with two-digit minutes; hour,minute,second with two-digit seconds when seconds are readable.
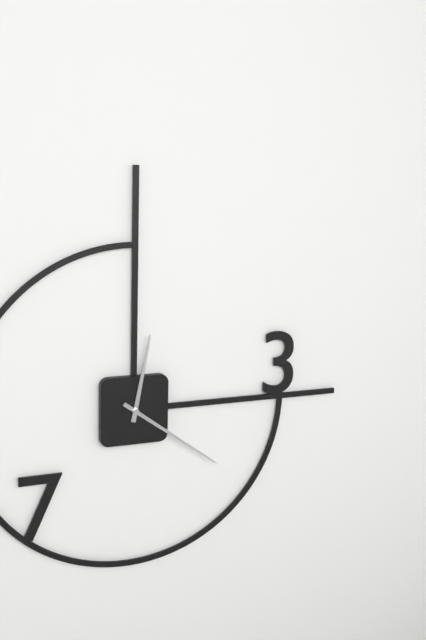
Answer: 12,21
